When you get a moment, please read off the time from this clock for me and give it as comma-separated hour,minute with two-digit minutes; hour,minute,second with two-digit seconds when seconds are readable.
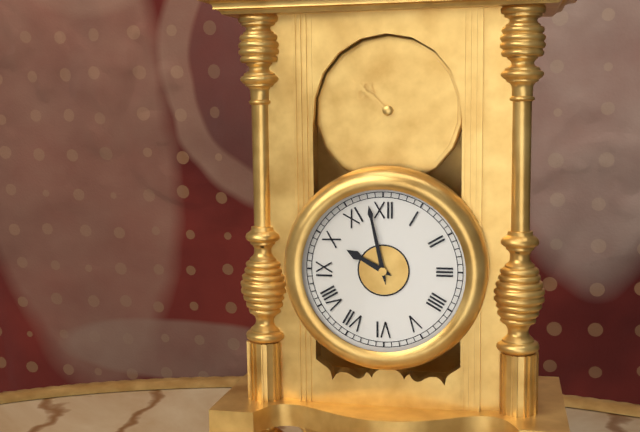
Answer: 9,58
